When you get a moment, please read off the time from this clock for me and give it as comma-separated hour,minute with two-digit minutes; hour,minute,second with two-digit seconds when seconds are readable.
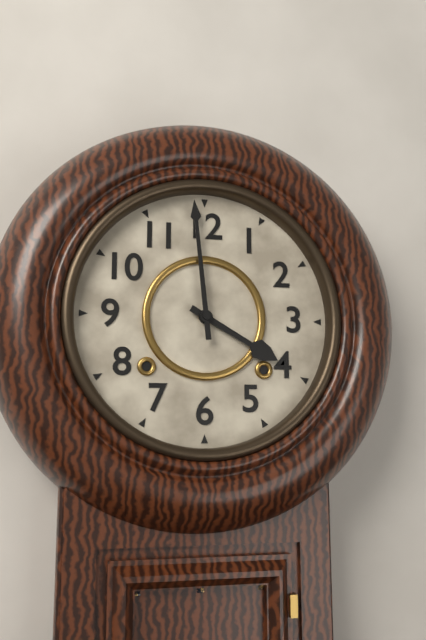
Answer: 3,59
